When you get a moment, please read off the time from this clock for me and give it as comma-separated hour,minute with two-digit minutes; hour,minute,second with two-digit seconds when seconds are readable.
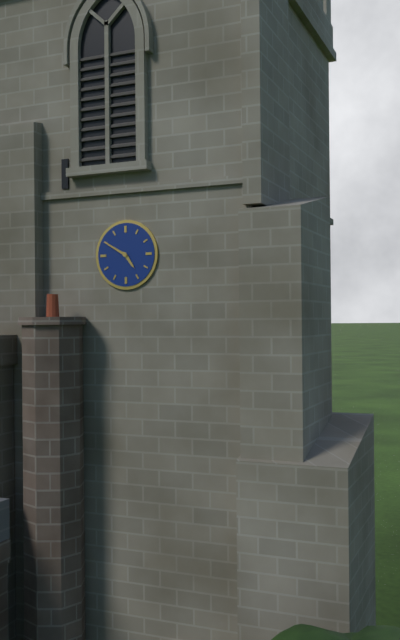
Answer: 4,50
